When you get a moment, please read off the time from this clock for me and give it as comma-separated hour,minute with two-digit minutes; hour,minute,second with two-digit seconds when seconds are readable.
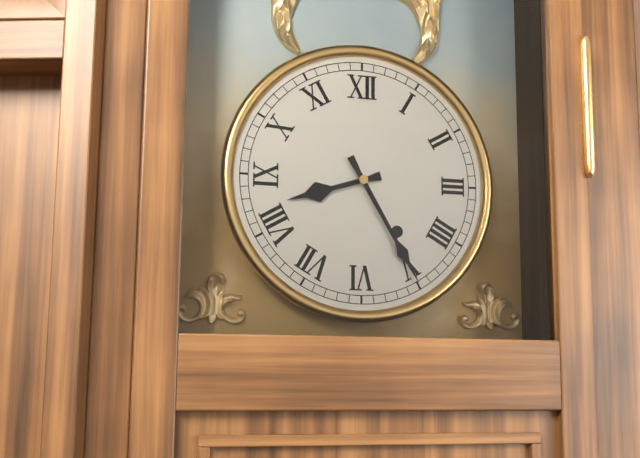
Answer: 8,25
